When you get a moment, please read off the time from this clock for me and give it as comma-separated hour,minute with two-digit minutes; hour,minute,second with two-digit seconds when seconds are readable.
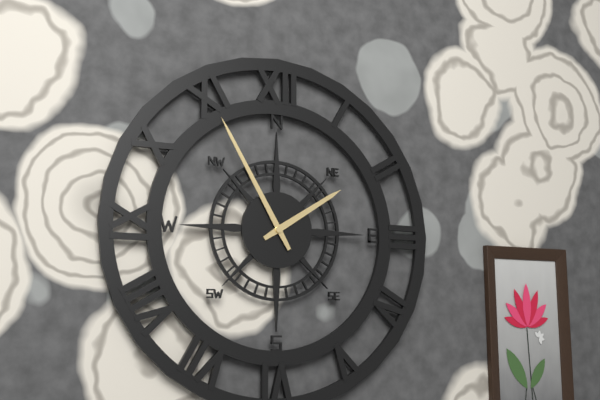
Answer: 1,55
